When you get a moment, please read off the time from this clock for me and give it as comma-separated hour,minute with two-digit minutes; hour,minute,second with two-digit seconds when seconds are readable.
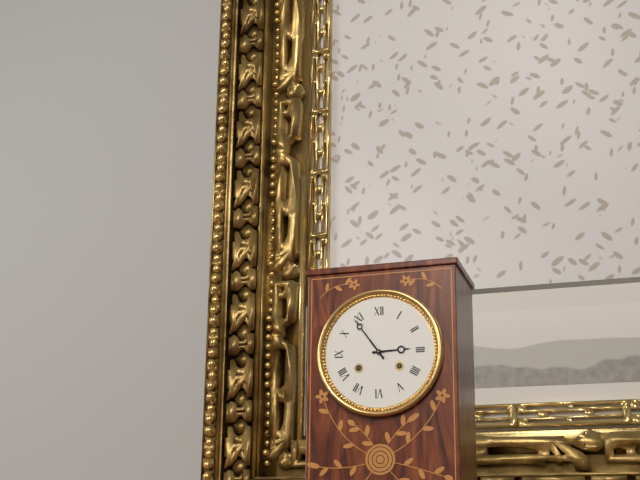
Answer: 2,54
